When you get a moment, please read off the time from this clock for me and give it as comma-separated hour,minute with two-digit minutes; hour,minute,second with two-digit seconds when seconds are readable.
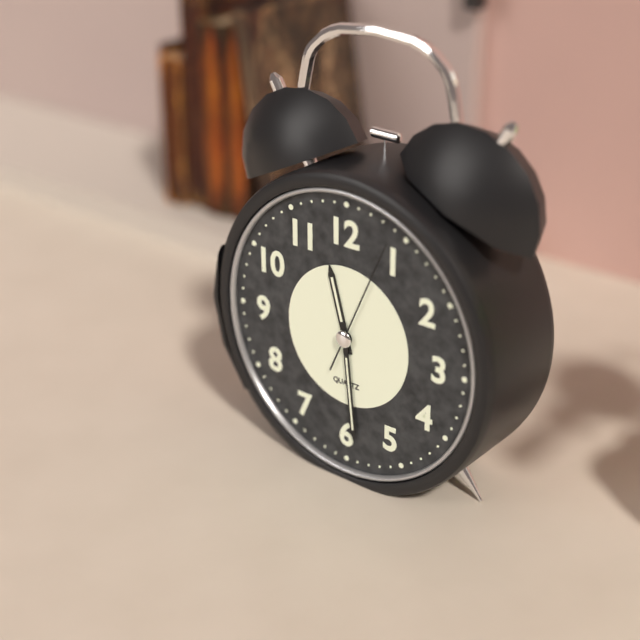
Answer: 11,29,04
